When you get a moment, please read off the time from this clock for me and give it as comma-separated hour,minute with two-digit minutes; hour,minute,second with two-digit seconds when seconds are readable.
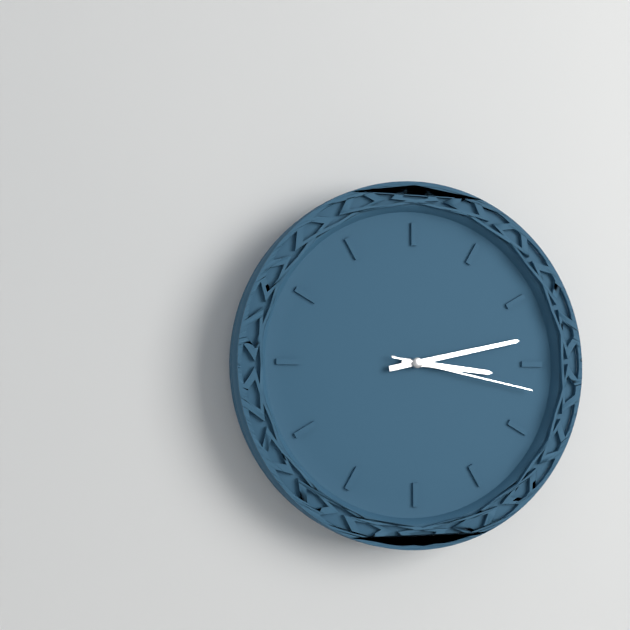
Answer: 3,13,17
